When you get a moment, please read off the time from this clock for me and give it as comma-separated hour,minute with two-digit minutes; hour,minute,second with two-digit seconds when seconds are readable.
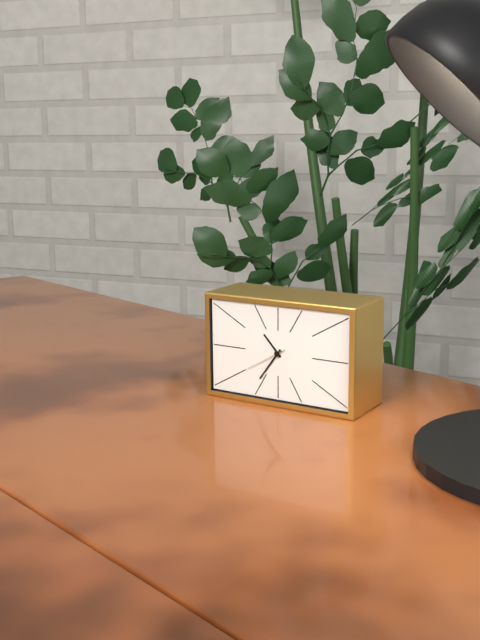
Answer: 10,36
